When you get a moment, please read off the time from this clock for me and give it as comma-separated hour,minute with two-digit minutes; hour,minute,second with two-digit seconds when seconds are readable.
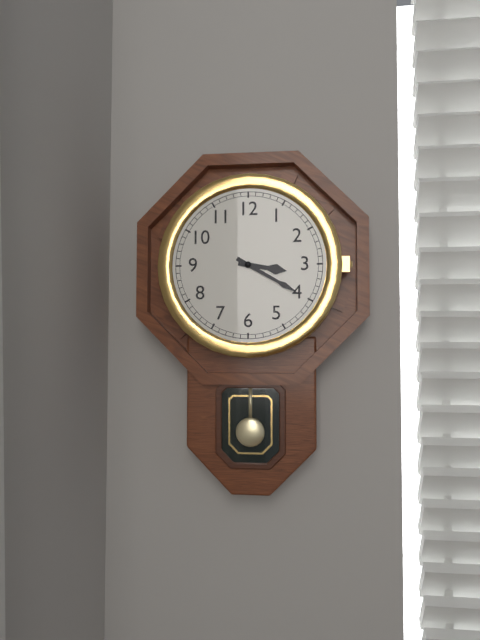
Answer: 3,20
